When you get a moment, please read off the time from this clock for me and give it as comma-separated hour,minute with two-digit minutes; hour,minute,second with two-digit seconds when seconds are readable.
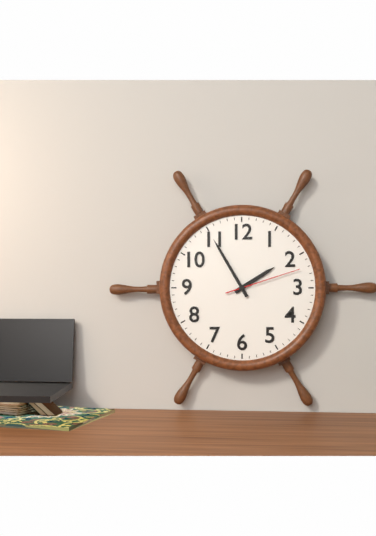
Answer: 1,55,12
